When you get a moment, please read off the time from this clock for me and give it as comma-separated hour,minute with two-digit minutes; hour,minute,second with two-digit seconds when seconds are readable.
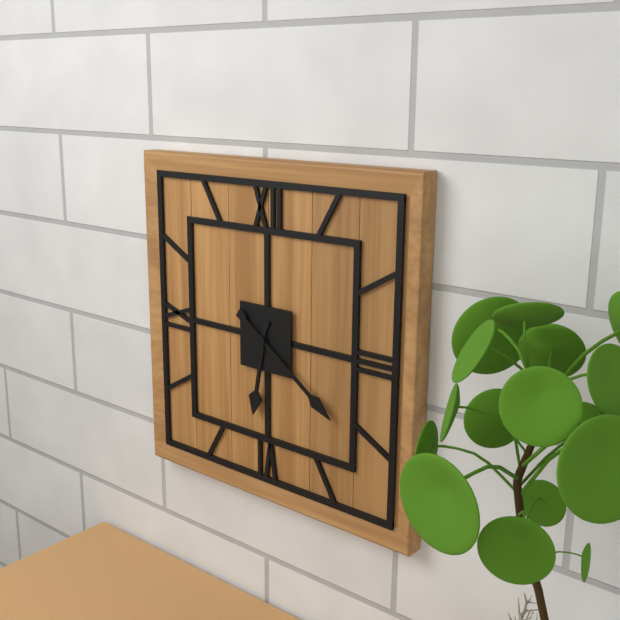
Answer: 6,21
